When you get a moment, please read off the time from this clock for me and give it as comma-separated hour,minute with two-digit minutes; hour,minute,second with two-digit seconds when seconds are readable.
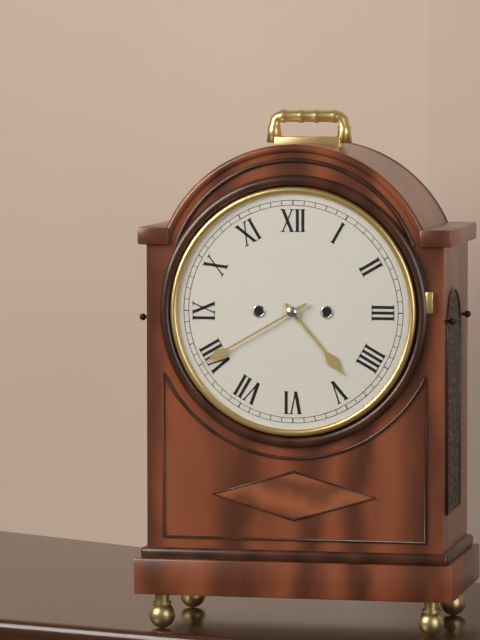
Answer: 4,40
